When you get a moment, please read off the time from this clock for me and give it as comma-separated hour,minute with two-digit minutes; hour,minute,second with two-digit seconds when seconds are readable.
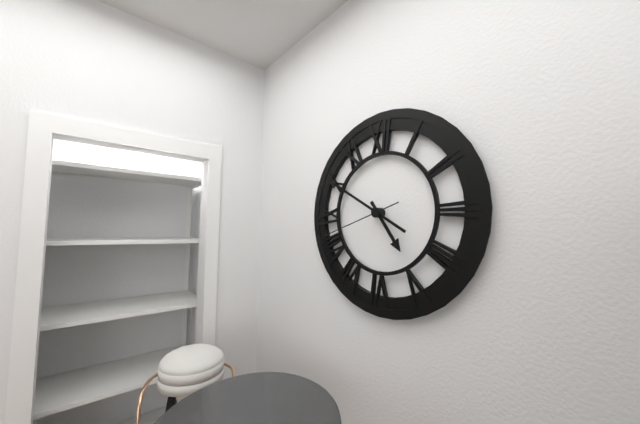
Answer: 4,50,42
